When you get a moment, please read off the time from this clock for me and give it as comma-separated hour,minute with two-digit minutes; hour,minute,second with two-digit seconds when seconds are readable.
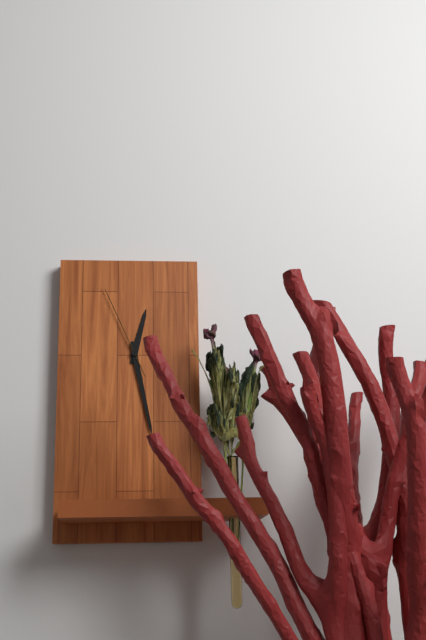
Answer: 12,28,56
